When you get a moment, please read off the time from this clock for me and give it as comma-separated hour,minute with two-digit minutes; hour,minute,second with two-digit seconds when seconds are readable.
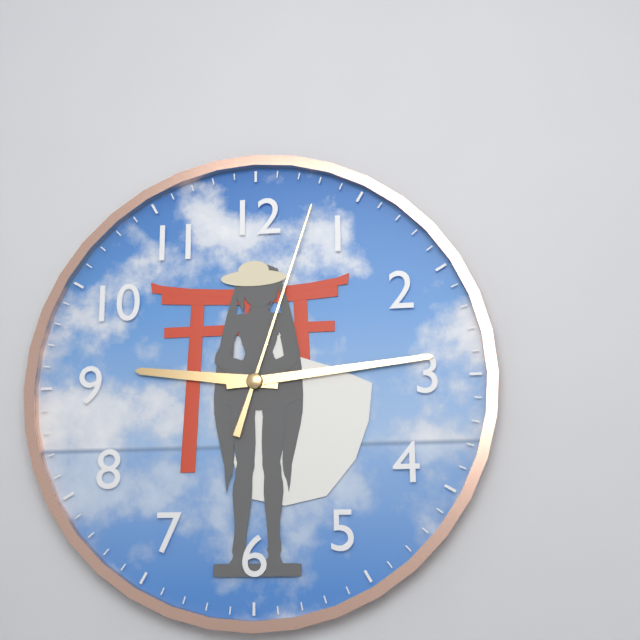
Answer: 9,14,03
